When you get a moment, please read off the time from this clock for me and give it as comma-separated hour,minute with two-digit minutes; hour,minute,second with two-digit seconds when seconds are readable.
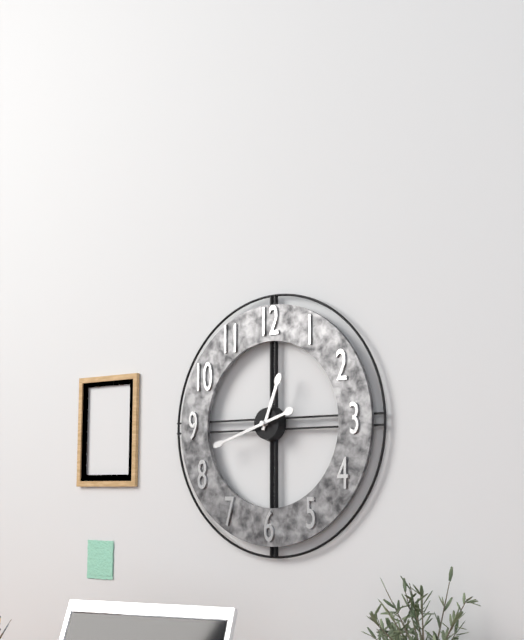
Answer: 12,42
